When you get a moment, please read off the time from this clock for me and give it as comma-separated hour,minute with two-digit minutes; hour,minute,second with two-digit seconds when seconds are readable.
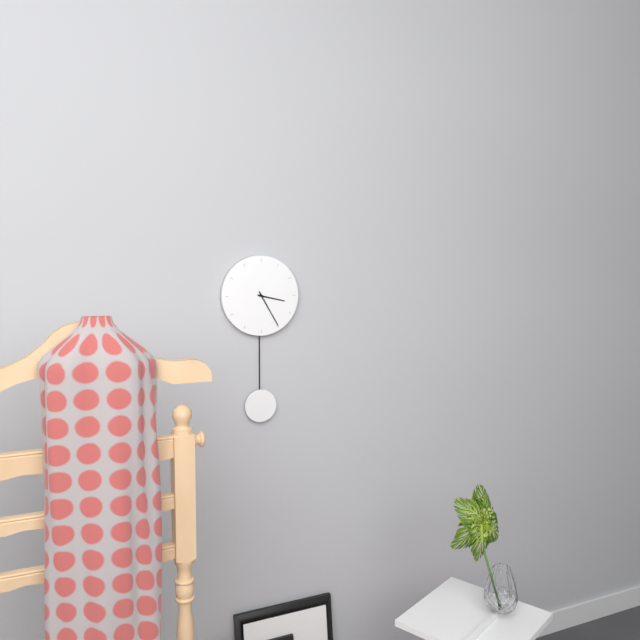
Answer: 3,25
